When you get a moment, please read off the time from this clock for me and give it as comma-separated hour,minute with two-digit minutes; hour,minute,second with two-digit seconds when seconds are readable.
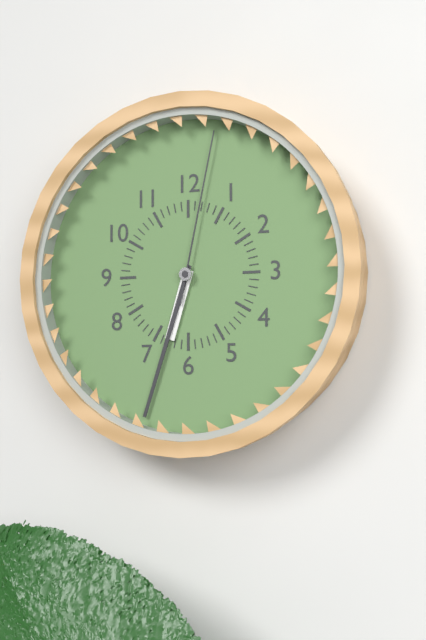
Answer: 6,33,02
